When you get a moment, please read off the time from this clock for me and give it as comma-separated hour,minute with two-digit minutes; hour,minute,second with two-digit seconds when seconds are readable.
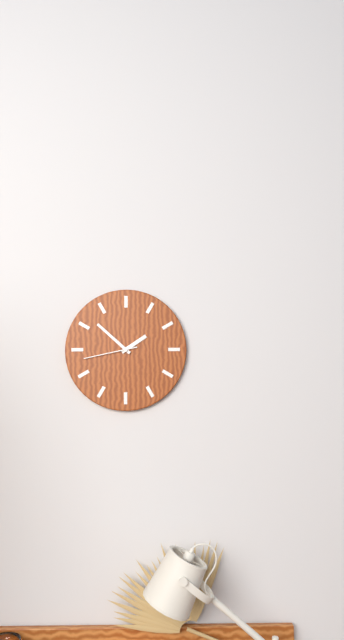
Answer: 1,52,43
